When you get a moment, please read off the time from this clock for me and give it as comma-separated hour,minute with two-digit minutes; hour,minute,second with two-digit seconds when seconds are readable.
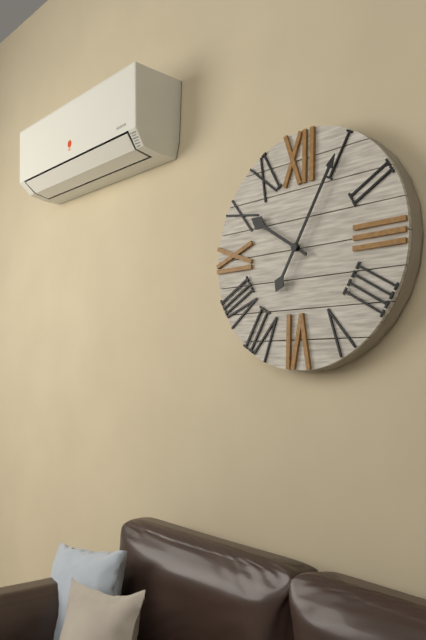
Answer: 10,05
